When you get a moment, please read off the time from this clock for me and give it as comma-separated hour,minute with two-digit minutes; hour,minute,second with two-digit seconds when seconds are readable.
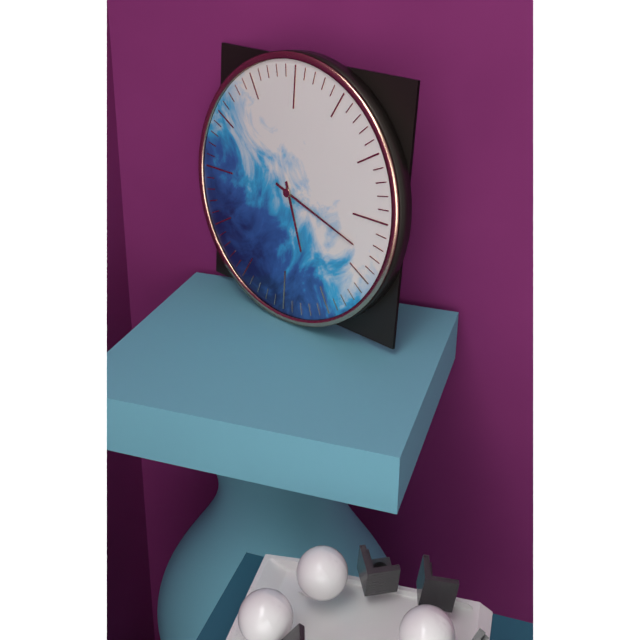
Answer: 5,18
